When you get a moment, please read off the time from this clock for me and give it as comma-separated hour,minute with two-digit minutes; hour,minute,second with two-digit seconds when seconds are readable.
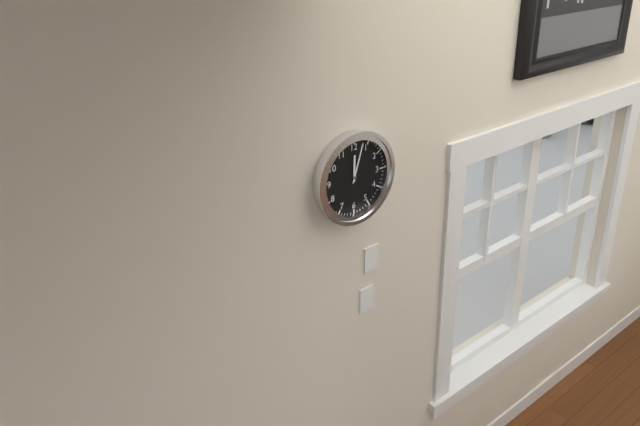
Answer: 12,03
